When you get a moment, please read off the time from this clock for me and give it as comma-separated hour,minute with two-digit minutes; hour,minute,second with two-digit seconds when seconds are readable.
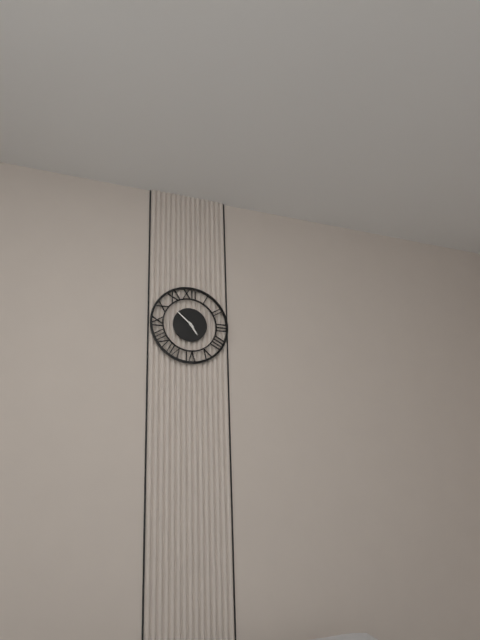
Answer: 4,52
